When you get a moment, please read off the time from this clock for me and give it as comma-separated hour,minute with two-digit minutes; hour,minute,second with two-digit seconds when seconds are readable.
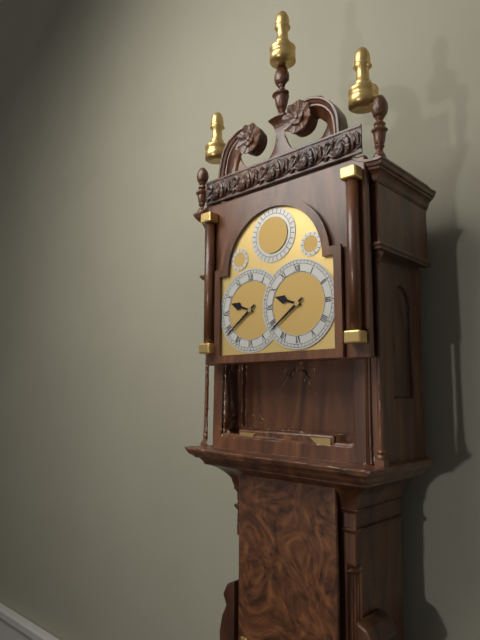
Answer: 9,39
